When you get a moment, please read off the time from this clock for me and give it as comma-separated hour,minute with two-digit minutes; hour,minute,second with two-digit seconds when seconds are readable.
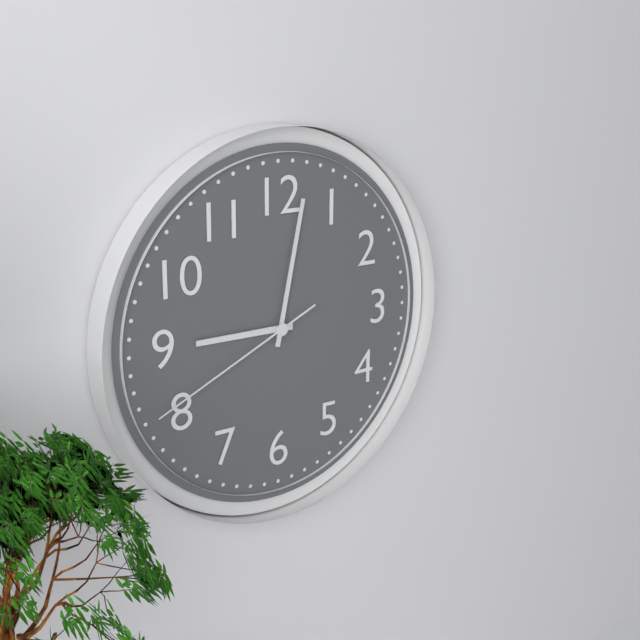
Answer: 9,02,41
